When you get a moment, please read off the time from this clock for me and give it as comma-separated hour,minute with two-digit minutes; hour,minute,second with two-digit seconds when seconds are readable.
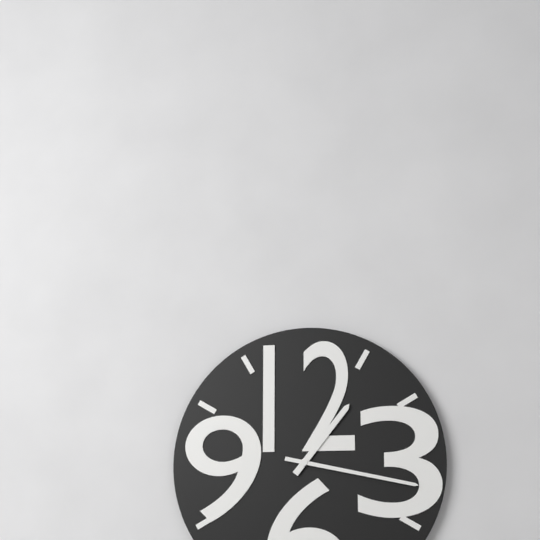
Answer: 1,17
